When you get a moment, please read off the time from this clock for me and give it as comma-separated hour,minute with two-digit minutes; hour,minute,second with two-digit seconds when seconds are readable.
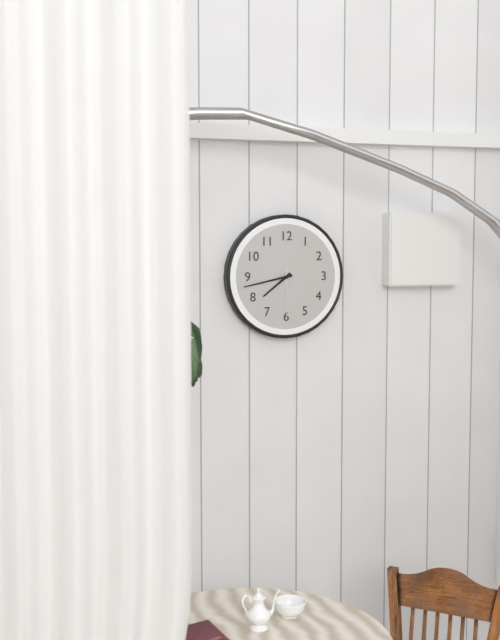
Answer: 7,43,30
